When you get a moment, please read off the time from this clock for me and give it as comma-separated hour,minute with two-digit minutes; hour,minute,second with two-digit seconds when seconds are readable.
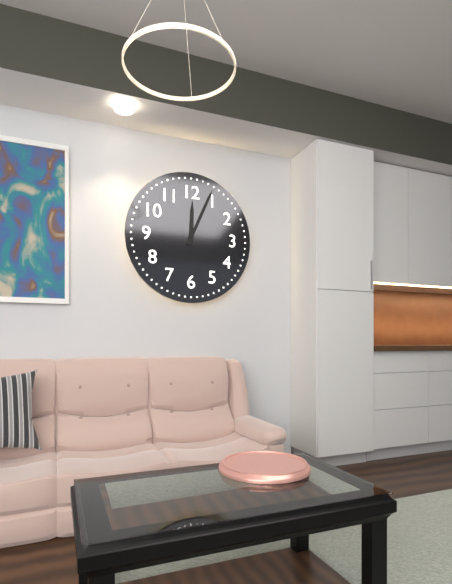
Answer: 12,04
